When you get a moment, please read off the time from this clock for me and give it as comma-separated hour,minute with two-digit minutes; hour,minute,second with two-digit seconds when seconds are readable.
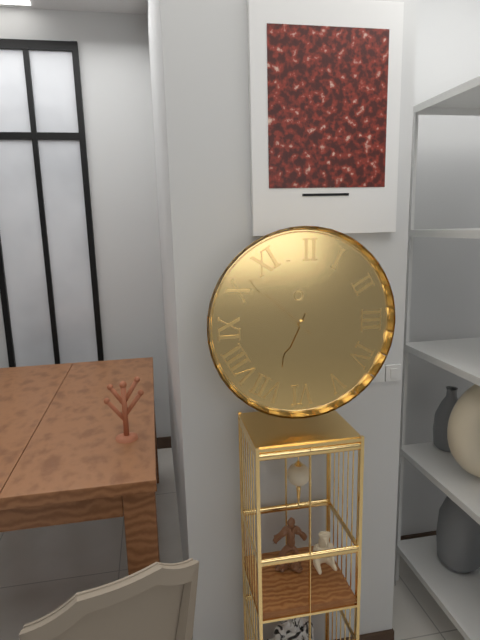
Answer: 6,52
